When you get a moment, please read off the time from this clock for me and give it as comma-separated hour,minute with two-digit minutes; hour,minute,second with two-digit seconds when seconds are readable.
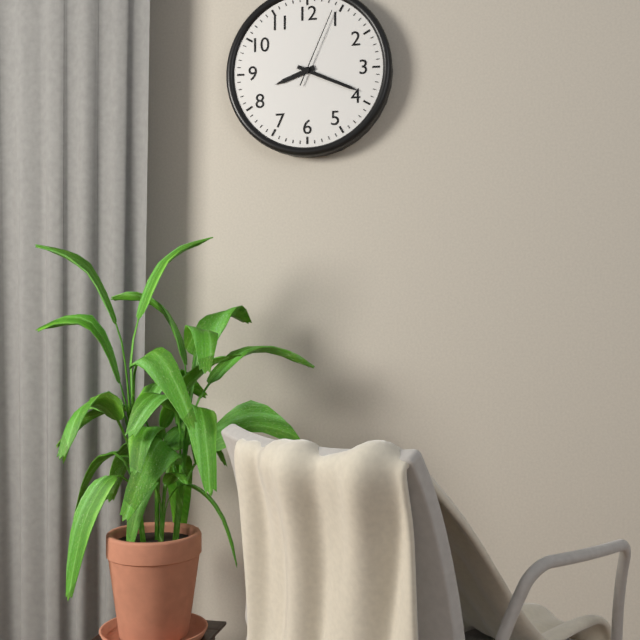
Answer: 8,19,04
